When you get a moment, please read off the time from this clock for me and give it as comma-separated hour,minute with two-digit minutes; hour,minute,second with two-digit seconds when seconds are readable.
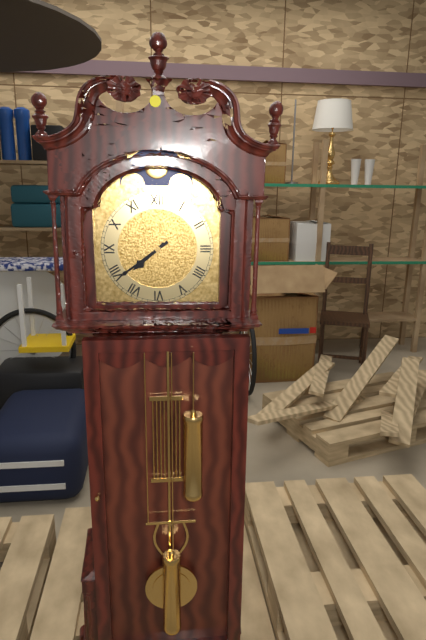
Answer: 7,39
